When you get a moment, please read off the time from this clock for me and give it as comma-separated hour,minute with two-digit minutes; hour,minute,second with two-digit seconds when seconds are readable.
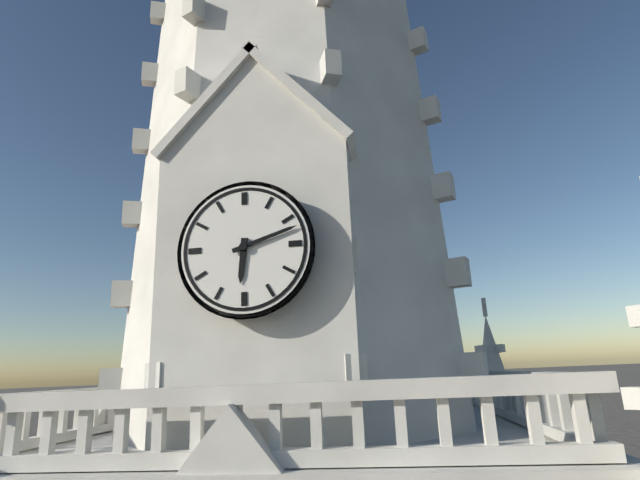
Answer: 6,12
